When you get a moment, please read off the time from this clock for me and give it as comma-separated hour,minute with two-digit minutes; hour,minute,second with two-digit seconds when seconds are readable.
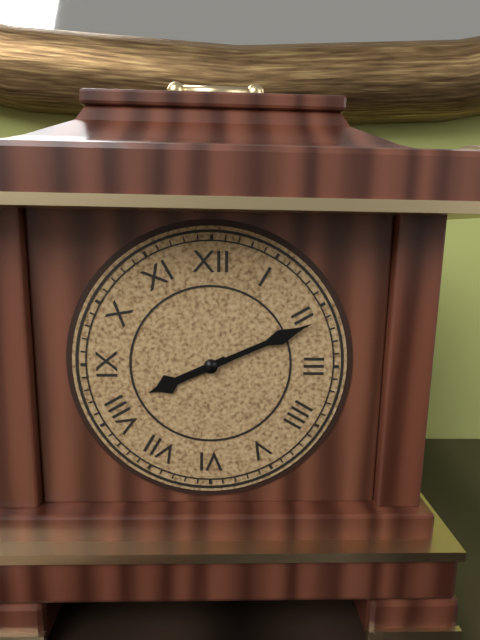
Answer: 8,11
